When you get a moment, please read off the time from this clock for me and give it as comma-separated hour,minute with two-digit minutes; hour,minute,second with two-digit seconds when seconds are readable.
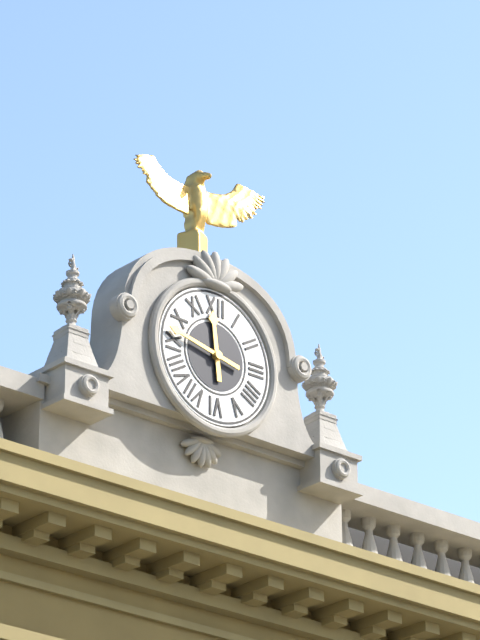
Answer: 11,47
